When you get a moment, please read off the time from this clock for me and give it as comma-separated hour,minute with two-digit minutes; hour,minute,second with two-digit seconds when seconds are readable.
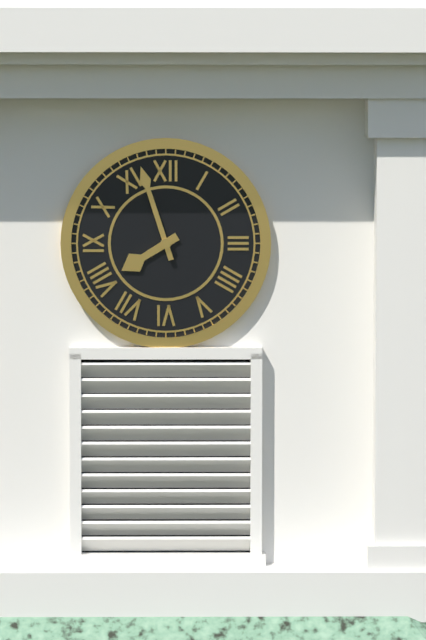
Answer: 7,57
